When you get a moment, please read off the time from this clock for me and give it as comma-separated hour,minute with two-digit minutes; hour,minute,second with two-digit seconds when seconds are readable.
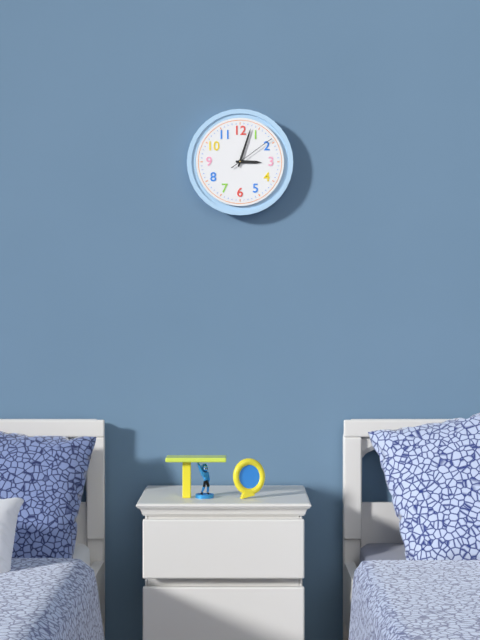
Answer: 3,03
